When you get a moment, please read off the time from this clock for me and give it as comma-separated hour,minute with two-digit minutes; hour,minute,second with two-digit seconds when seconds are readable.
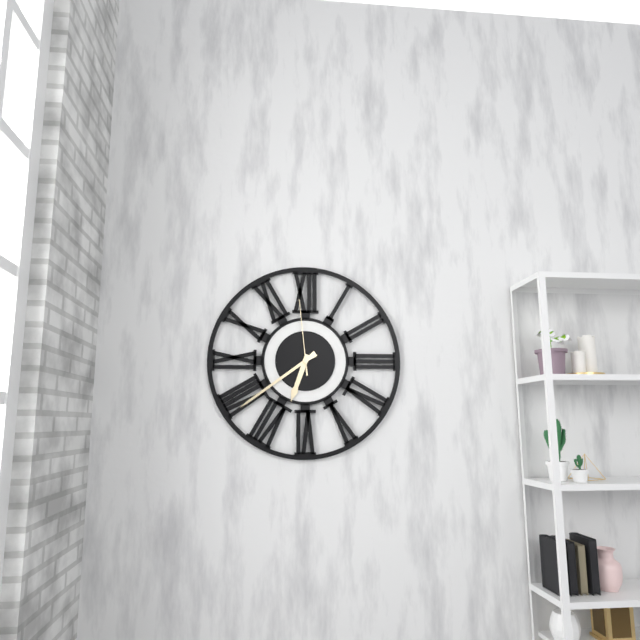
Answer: 6,39,59
